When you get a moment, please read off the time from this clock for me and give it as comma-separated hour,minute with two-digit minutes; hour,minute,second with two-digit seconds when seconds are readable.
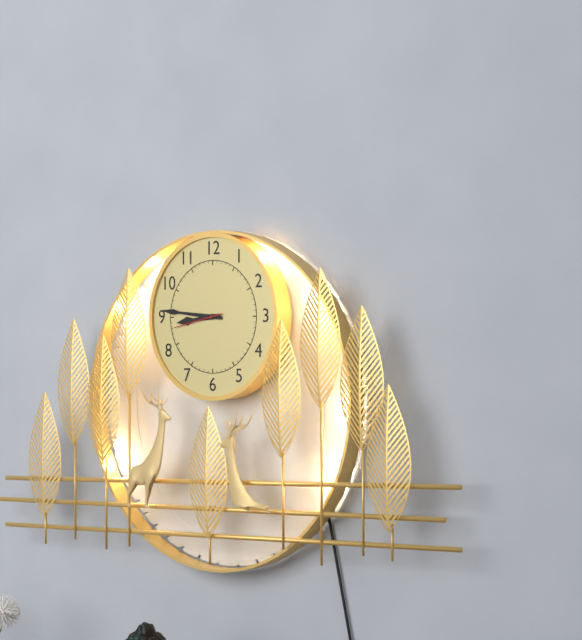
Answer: 8,46,43
